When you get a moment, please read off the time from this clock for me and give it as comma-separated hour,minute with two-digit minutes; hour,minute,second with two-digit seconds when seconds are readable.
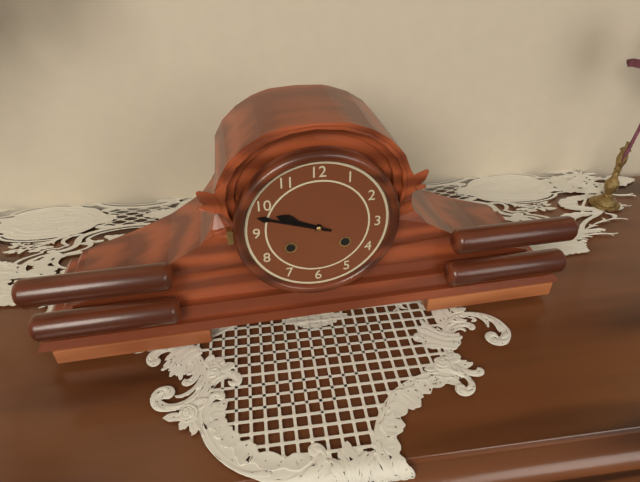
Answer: 9,48
